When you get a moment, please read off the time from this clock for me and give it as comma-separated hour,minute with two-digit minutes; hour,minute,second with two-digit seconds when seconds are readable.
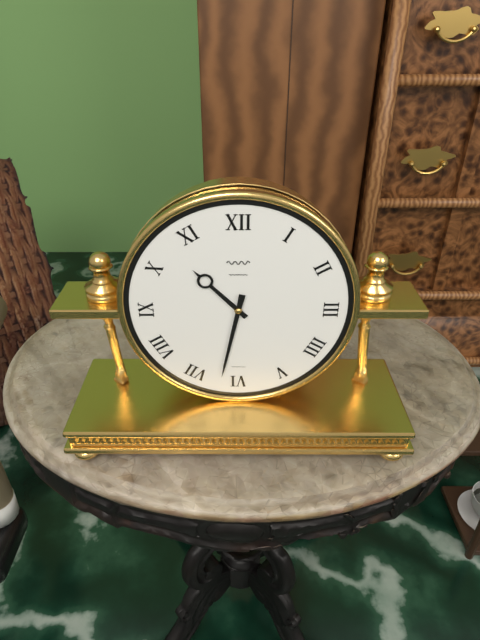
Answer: 10,32
